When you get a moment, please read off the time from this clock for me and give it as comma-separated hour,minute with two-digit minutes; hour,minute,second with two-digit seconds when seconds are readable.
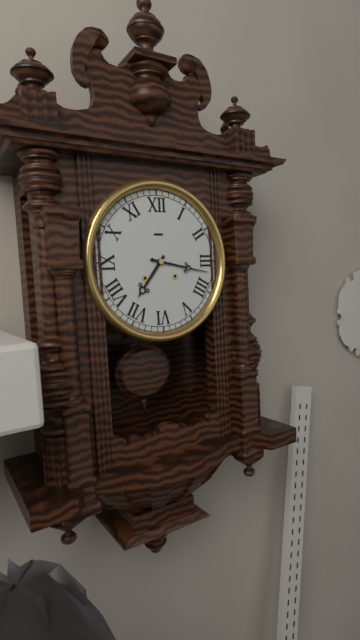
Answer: 7,17
